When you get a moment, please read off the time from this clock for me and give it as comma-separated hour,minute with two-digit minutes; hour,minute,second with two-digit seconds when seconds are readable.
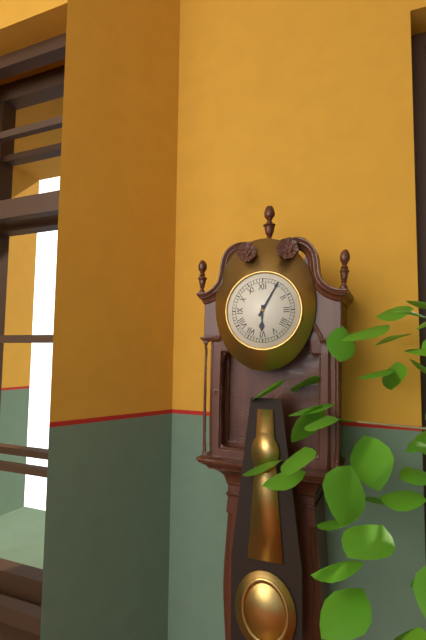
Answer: 6,05
